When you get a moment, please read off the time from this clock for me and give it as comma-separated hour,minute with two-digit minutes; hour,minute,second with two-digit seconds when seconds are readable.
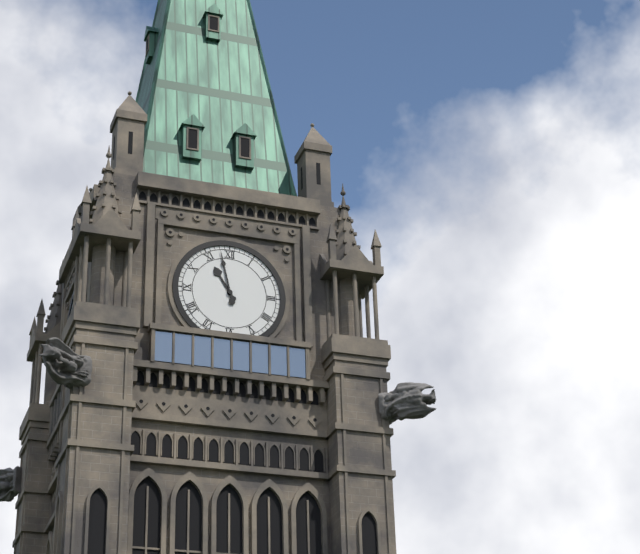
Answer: 10,58
